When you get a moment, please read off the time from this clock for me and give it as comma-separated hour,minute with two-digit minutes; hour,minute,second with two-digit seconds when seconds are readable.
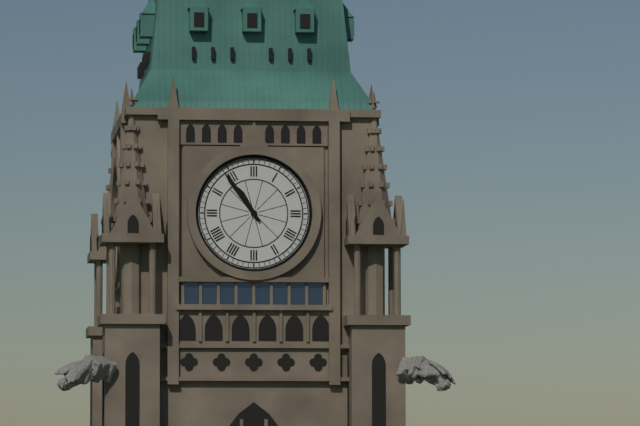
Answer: 10,54
